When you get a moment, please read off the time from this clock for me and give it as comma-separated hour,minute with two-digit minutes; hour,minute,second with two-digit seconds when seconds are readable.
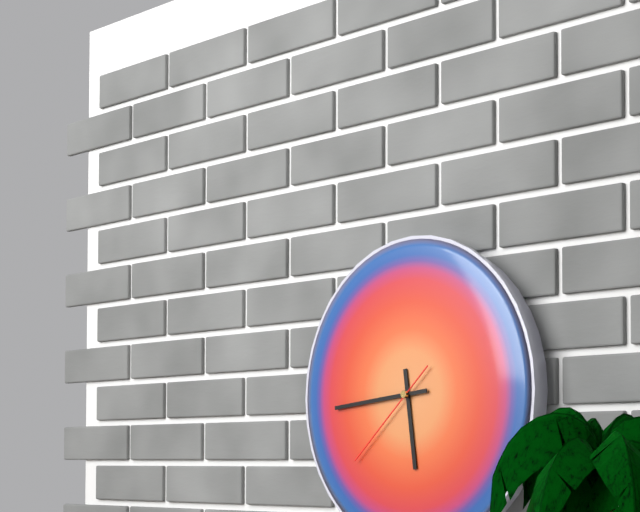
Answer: 5,44,38
